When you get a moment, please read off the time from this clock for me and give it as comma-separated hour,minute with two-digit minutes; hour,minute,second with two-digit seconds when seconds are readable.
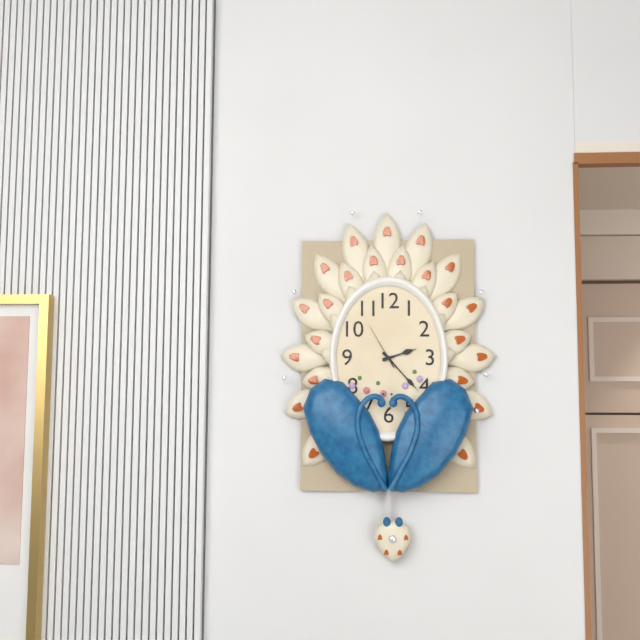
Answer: 2,23,55
